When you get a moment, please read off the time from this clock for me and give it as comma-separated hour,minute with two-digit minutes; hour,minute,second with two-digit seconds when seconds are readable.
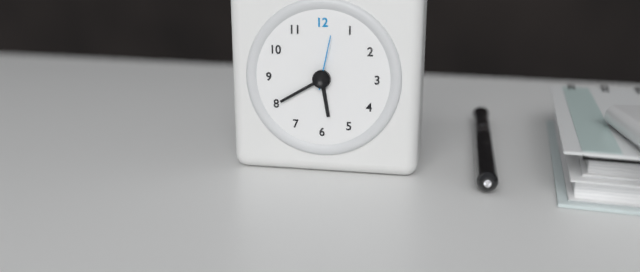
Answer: 5,40,02
